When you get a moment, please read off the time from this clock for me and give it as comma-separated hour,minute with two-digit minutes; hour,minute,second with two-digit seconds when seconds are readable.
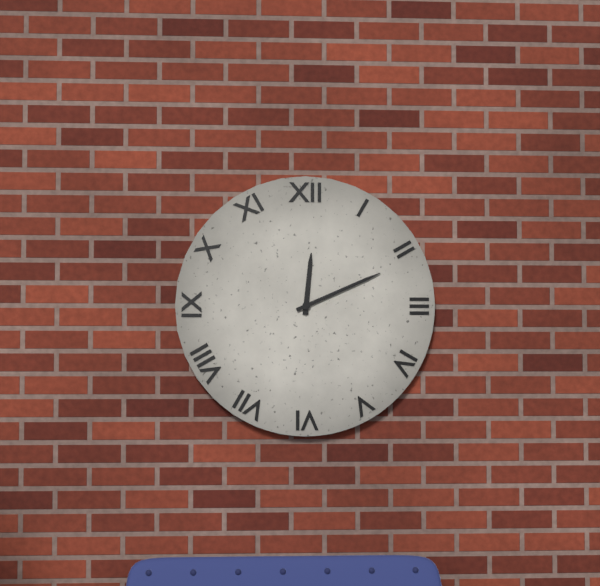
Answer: 12,11
